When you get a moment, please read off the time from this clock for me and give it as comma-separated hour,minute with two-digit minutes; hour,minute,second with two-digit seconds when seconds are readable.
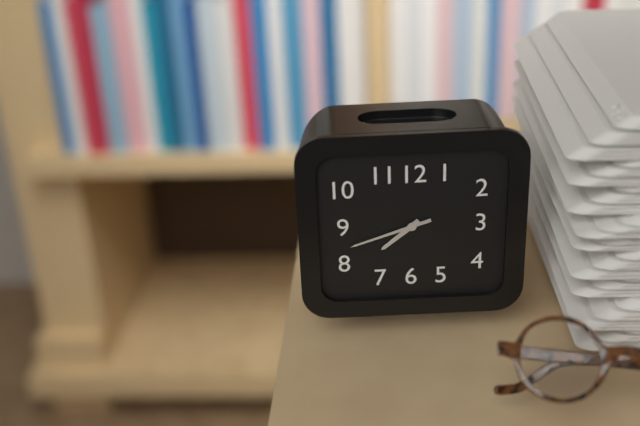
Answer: 7,42
